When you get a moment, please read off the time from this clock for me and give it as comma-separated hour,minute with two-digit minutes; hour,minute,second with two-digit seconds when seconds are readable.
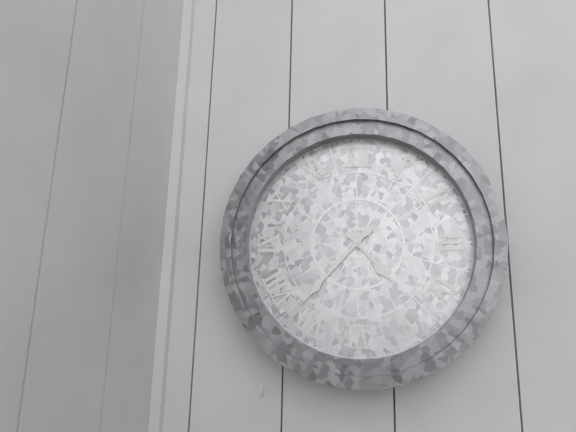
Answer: 4,37
